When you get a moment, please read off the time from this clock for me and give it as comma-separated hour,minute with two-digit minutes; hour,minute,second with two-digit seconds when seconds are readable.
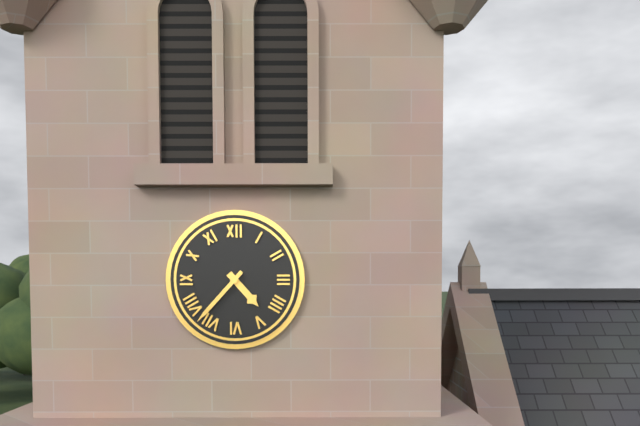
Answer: 4,37
